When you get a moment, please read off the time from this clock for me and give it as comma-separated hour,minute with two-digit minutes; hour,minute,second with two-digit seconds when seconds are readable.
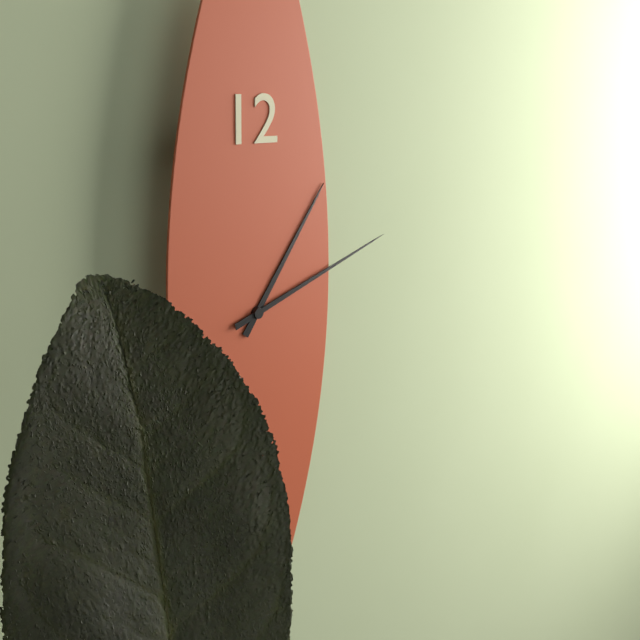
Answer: 1,12
